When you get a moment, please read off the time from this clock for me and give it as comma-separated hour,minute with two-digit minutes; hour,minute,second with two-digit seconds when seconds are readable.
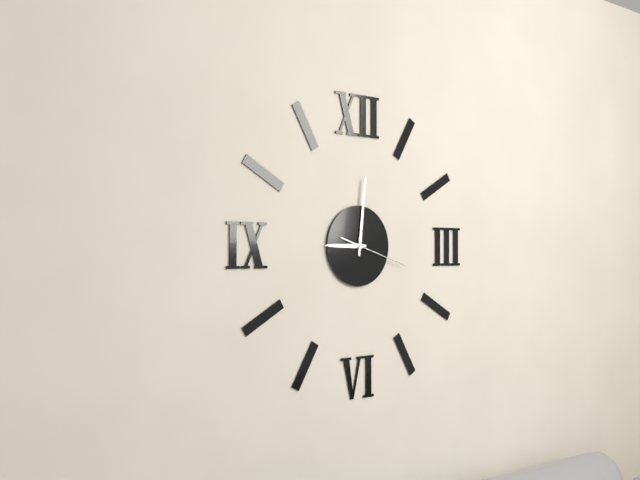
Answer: 9,01,18
